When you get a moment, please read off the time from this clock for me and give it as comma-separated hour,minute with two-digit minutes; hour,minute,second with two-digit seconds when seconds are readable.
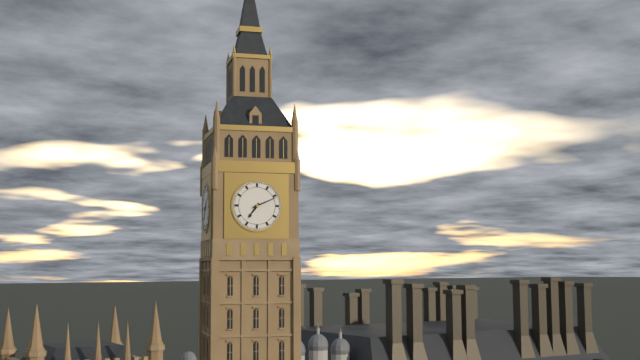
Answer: 7,11
